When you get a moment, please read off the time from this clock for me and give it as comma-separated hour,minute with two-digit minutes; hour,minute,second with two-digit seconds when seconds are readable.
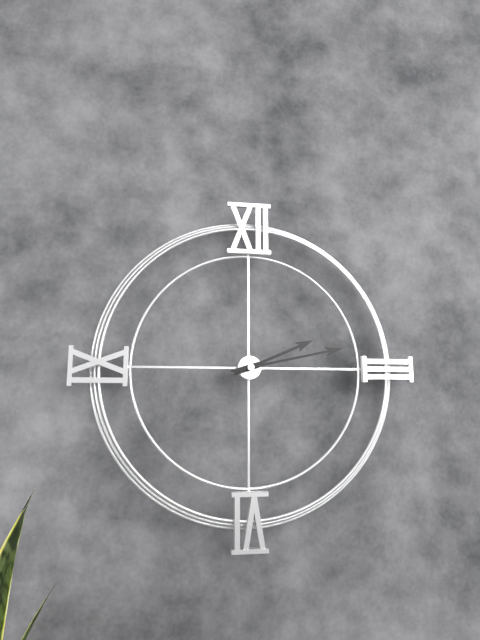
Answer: 2,13
